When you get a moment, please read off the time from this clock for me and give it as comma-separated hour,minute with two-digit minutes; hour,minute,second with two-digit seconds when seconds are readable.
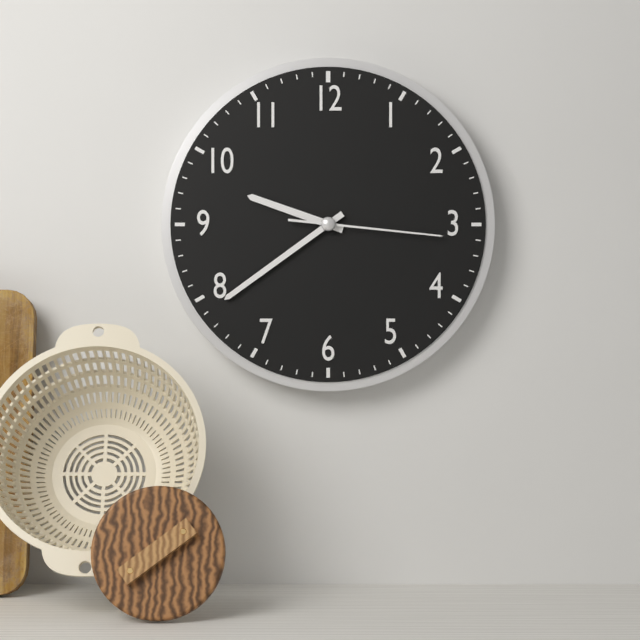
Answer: 9,39,16
